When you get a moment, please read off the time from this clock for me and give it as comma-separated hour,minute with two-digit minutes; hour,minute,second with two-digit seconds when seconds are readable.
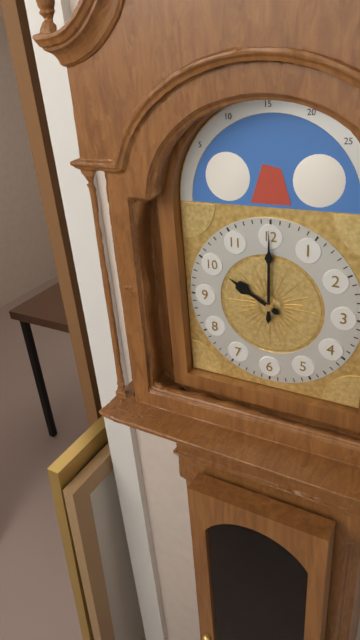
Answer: 10,00
